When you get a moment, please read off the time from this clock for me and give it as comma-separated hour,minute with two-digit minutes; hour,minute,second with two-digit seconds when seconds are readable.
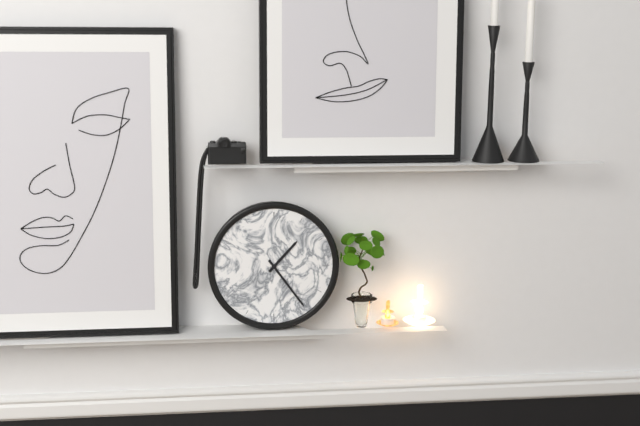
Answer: 1,24
